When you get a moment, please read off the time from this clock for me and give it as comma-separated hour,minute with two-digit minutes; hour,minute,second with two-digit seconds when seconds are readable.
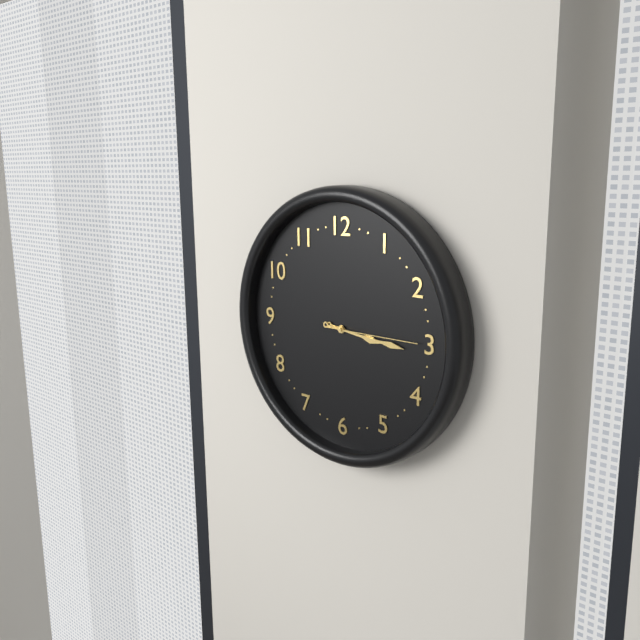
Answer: 3,16,15
